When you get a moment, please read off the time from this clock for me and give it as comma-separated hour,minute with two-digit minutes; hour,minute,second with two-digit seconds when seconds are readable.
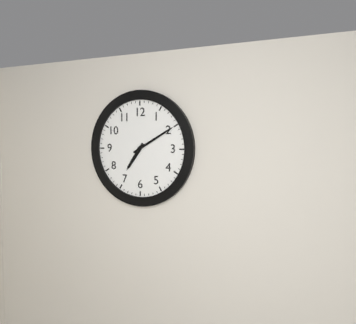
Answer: 7,10
